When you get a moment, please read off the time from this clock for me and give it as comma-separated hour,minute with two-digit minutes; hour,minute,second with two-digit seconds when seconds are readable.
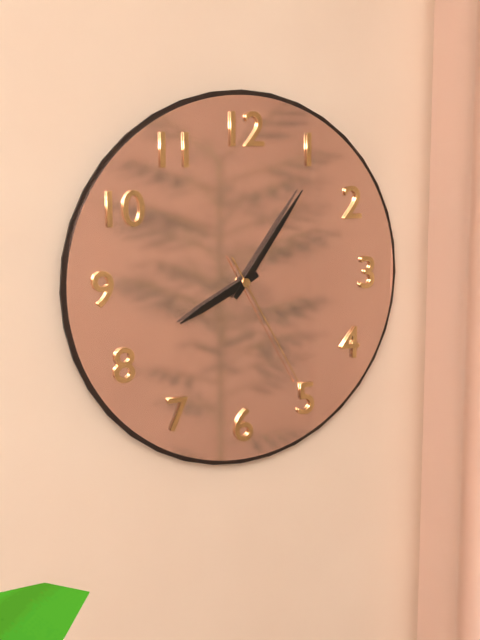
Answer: 8,06,25
